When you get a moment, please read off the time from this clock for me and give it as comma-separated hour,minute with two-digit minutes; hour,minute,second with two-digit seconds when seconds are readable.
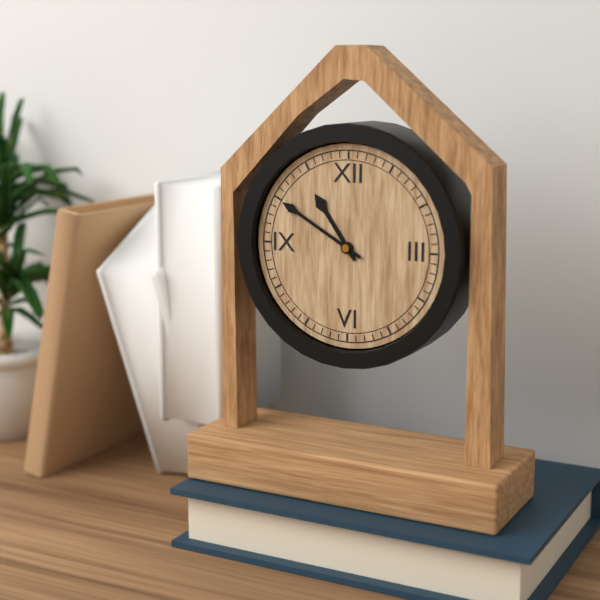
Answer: 10,50
